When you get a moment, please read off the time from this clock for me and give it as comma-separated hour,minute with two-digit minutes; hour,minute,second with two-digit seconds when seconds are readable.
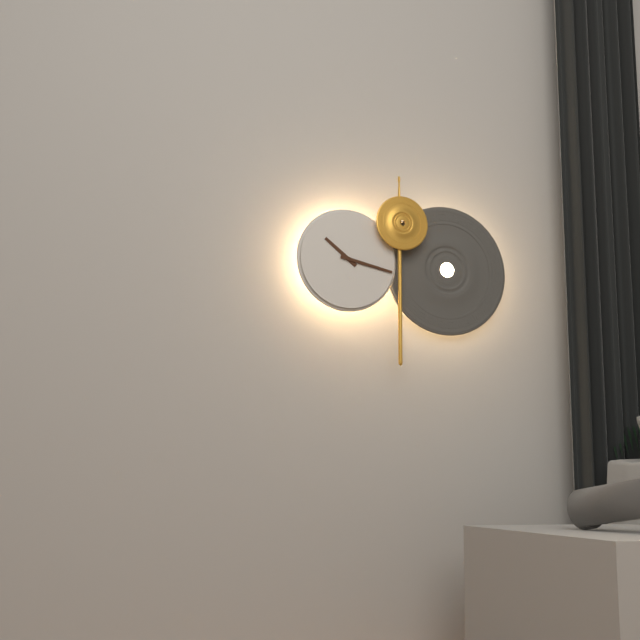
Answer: 10,17
